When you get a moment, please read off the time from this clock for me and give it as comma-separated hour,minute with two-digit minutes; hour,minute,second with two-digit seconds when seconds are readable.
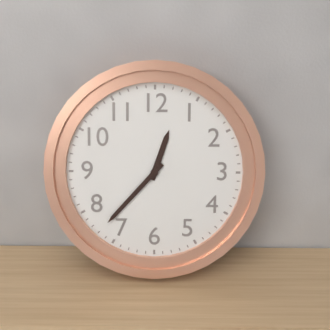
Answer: 12,37
